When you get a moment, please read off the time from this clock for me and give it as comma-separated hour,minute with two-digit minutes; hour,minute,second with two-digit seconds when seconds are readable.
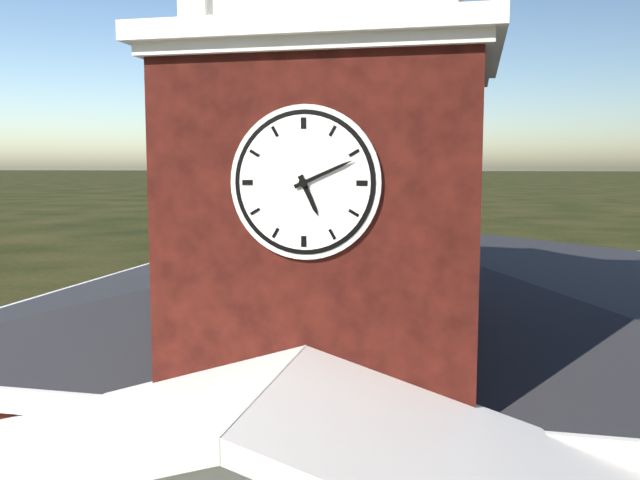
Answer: 5,11
